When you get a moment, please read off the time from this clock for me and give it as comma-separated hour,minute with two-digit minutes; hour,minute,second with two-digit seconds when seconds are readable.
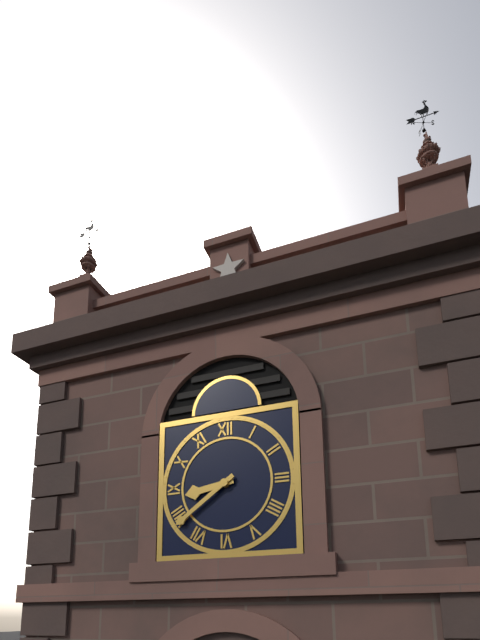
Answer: 8,39
